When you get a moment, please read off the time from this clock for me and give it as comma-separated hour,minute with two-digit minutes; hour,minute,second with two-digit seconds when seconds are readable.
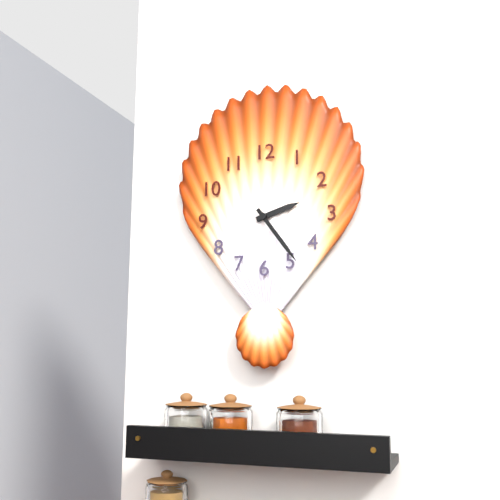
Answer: 2,24
